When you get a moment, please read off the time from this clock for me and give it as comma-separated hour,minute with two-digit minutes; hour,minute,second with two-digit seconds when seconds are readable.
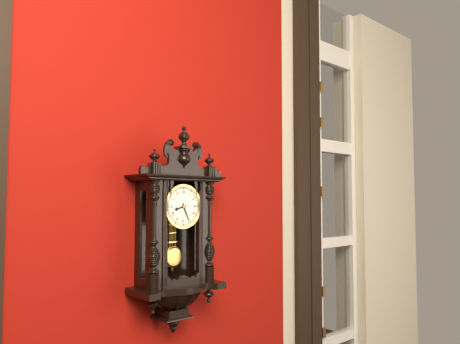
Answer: 8,26
